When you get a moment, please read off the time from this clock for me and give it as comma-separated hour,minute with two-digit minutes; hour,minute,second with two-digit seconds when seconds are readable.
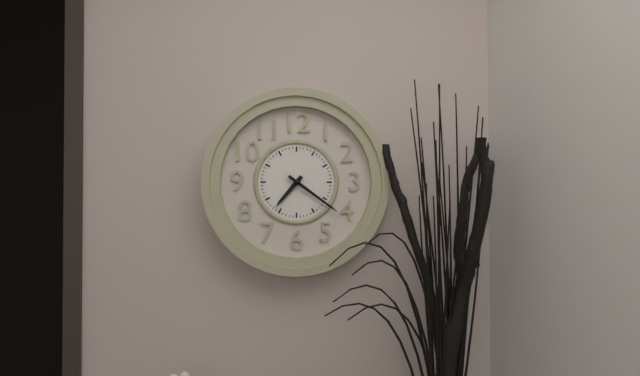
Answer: 7,21
